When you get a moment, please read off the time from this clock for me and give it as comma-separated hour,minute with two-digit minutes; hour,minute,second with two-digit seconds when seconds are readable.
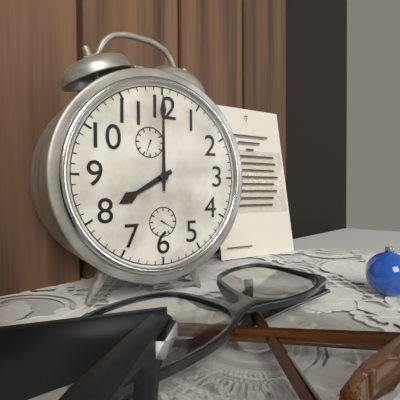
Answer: 8,00
